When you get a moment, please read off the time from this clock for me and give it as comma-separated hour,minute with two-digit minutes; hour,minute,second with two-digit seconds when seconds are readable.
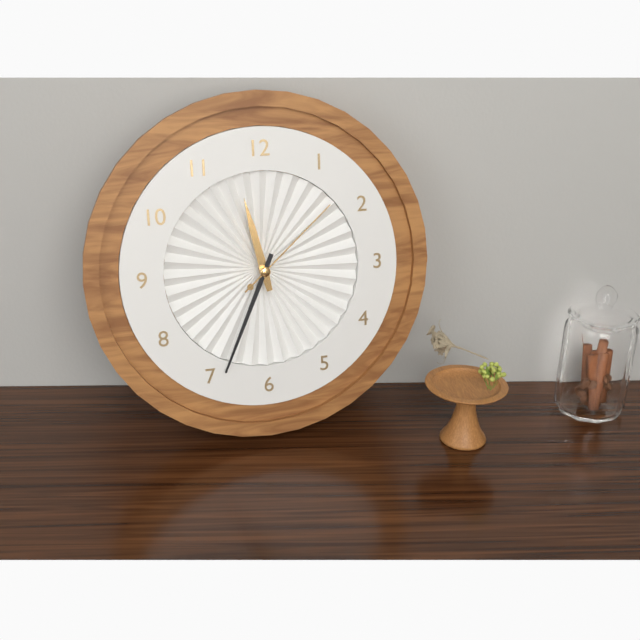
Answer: 11,34,08
